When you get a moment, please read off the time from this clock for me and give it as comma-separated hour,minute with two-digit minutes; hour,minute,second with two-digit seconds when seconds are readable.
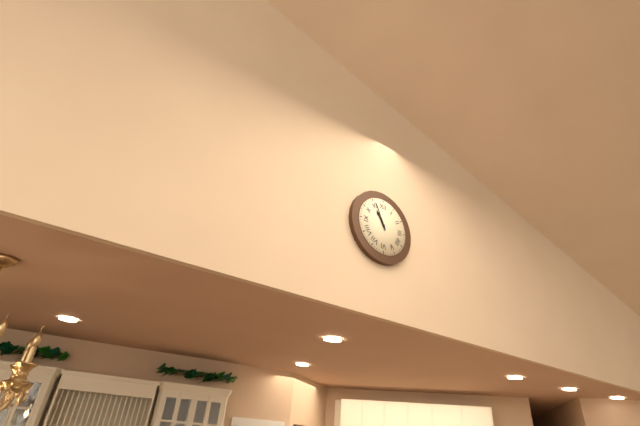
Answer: 10,56
